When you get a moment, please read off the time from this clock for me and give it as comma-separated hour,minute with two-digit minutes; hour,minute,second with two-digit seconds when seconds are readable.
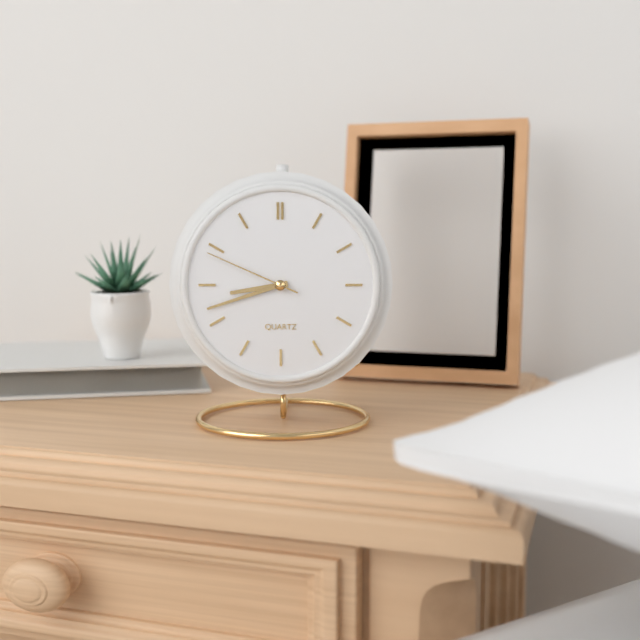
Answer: 8,42,49
